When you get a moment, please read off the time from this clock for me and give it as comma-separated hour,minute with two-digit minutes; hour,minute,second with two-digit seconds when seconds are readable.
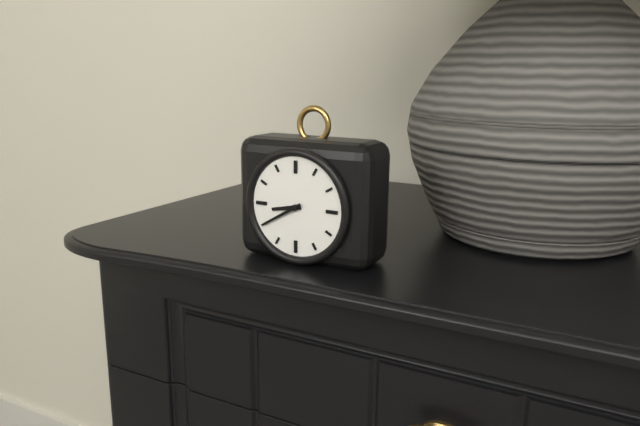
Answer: 8,40
